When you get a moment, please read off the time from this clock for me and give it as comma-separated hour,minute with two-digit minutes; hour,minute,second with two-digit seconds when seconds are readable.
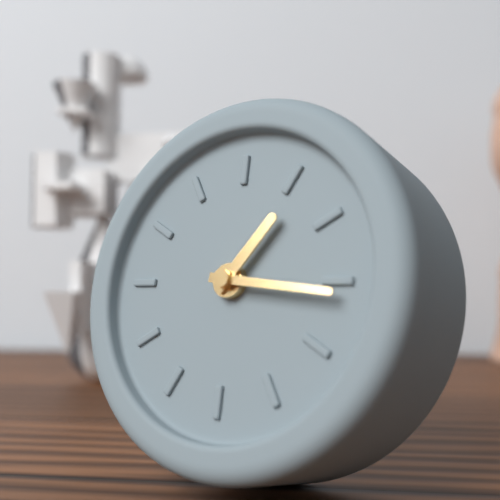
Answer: 1,16
